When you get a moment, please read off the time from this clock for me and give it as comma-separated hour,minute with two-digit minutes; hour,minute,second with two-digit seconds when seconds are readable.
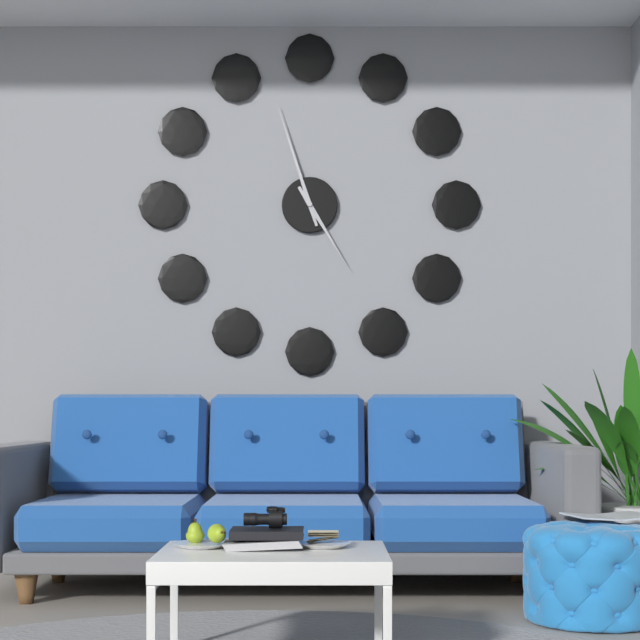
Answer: 4,57
